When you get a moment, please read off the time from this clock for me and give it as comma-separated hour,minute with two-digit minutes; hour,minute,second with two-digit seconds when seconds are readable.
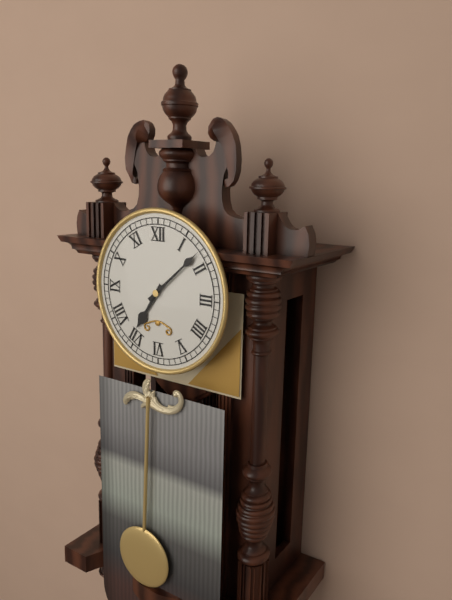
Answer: 7,08
